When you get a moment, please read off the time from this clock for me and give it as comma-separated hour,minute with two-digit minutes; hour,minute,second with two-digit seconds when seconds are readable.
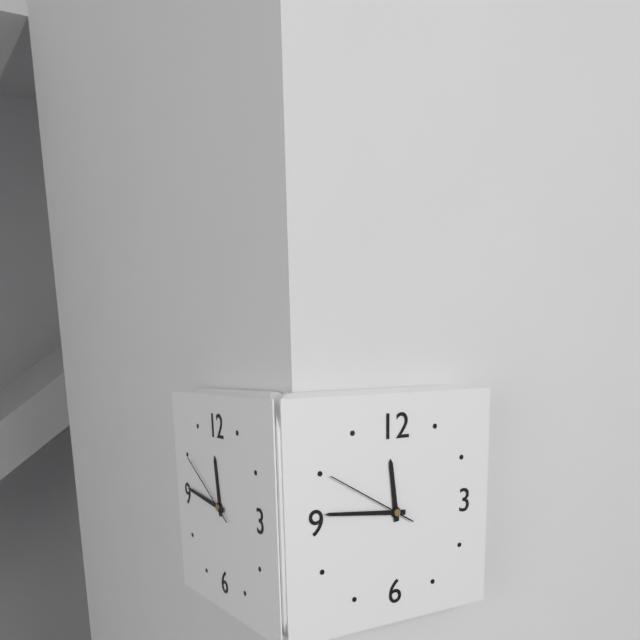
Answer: 11,46,50
